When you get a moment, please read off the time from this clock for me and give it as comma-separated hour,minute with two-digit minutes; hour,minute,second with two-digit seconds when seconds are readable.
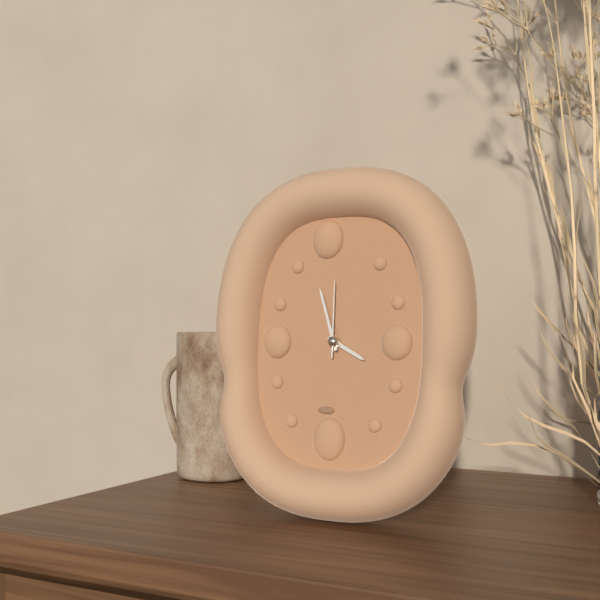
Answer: 3,57,00
